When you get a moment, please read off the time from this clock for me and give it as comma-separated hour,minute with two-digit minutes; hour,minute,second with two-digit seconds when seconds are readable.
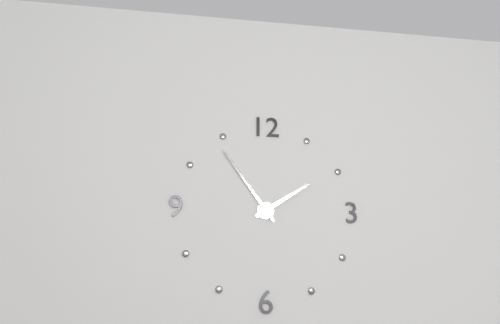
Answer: 1,54
